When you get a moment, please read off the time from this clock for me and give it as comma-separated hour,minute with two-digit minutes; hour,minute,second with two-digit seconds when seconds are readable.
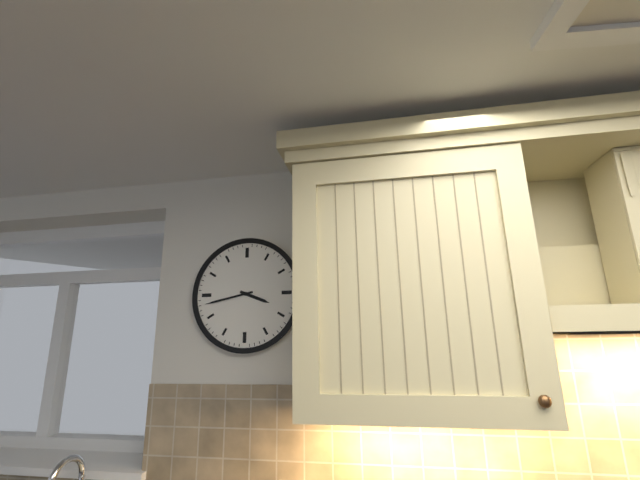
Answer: 3,43
